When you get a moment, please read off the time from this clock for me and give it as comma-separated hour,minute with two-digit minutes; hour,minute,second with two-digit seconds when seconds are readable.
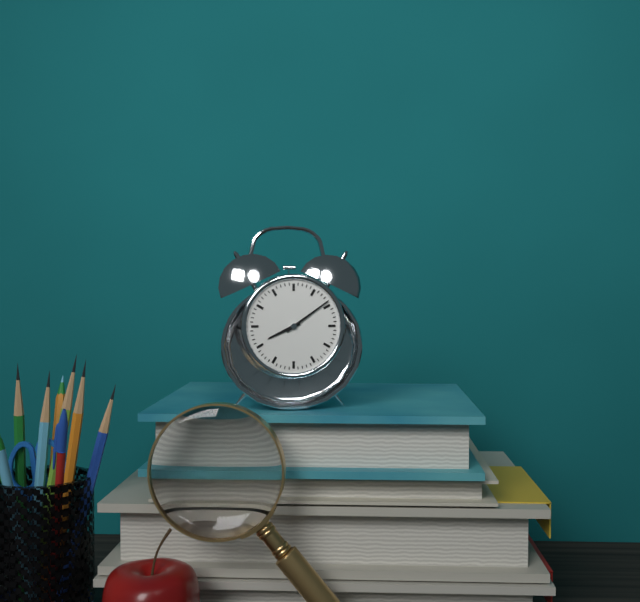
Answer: 8,09
